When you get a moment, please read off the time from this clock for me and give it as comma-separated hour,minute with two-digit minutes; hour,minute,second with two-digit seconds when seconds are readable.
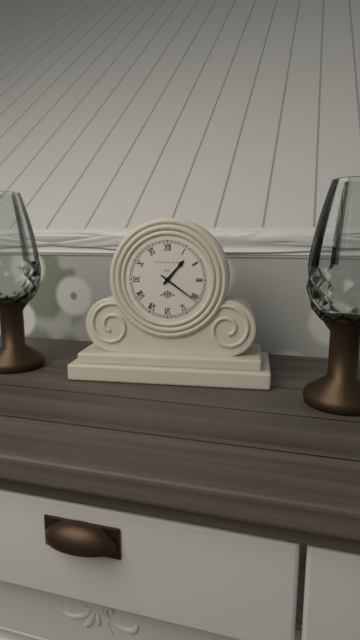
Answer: 1,21
